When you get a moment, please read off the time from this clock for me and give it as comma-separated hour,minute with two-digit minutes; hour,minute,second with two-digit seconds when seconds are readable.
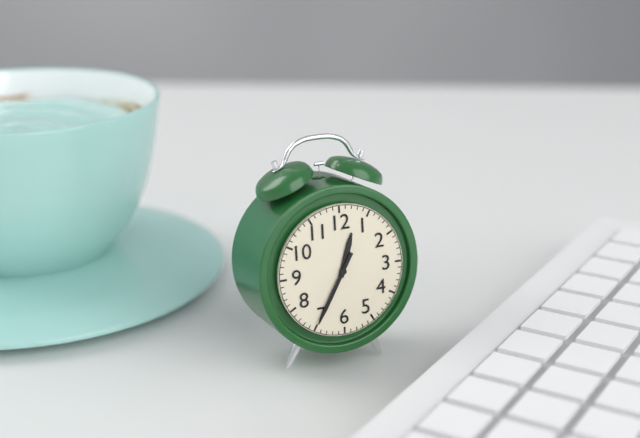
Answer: 12,35
